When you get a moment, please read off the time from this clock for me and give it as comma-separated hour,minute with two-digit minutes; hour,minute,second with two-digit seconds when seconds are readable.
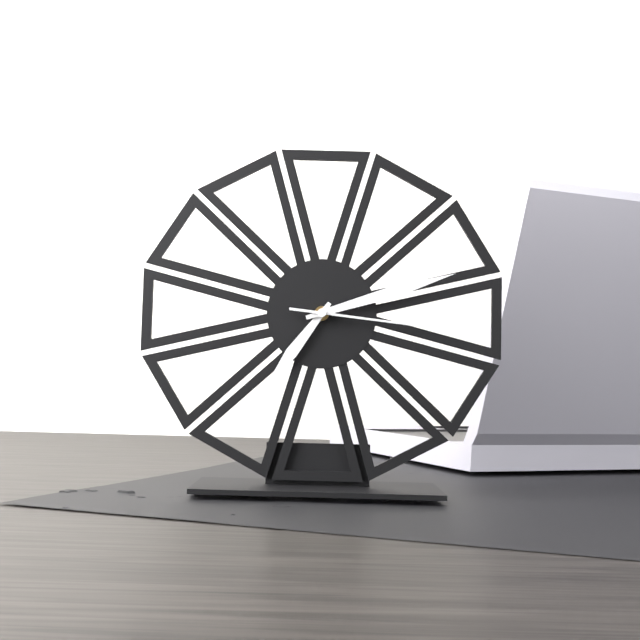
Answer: 7,12,16
